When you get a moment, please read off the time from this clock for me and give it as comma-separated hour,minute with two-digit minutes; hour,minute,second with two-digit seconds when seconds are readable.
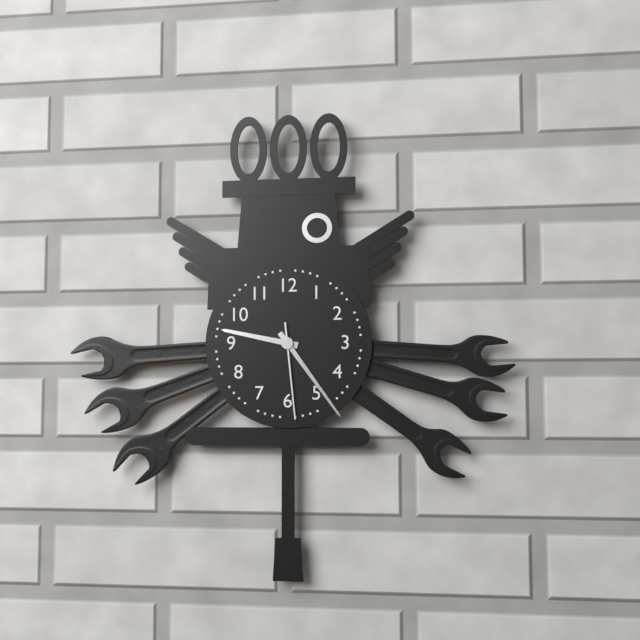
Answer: 9,24,29
